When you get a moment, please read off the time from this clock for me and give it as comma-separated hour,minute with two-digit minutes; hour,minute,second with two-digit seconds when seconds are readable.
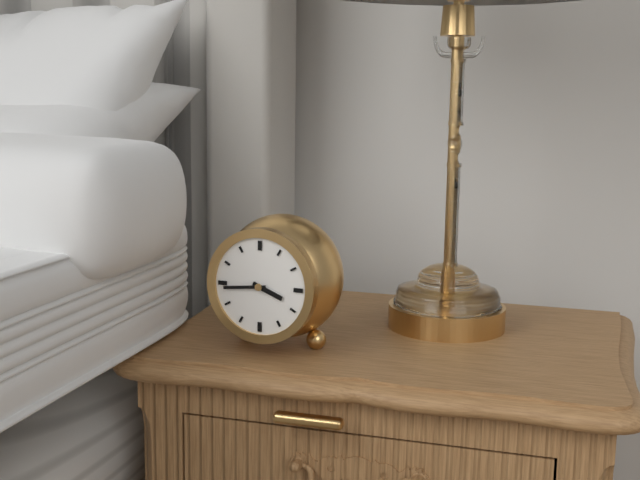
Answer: 3,44
